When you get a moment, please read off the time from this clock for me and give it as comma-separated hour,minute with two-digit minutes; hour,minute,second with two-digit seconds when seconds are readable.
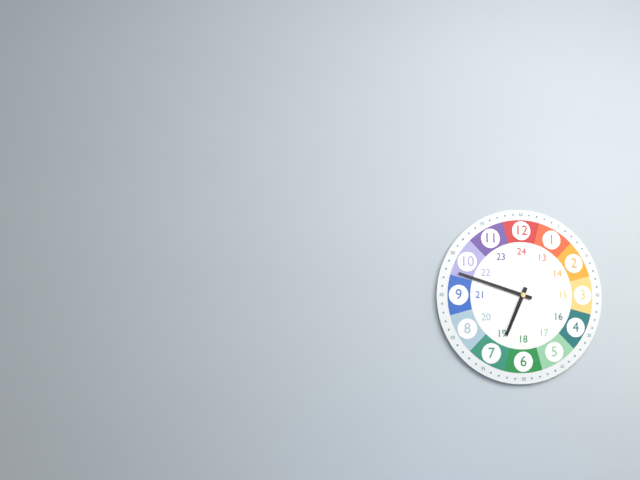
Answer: 6,48
